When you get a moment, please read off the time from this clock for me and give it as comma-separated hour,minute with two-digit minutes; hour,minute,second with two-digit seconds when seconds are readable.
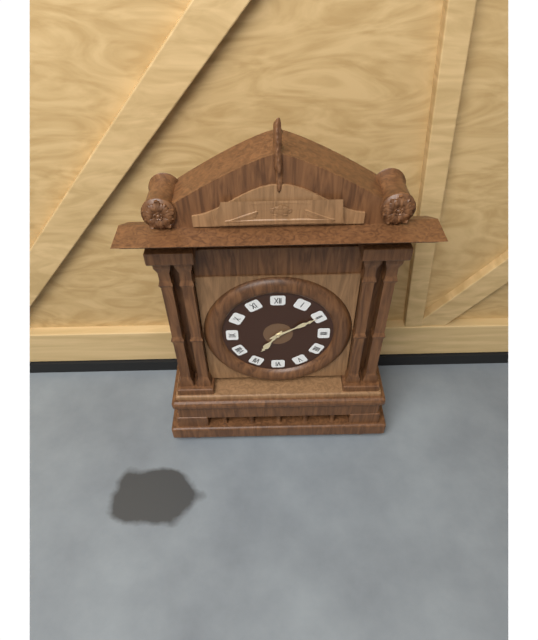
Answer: 7,10
